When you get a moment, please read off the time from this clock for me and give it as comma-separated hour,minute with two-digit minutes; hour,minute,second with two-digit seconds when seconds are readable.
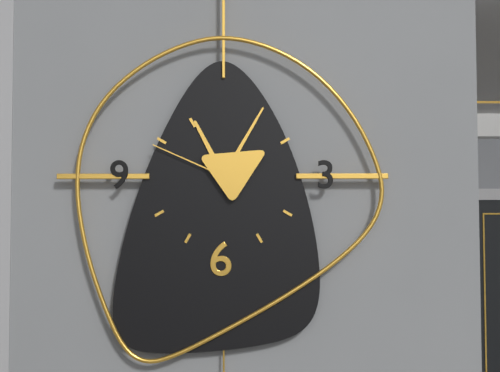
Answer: 11,05,49
